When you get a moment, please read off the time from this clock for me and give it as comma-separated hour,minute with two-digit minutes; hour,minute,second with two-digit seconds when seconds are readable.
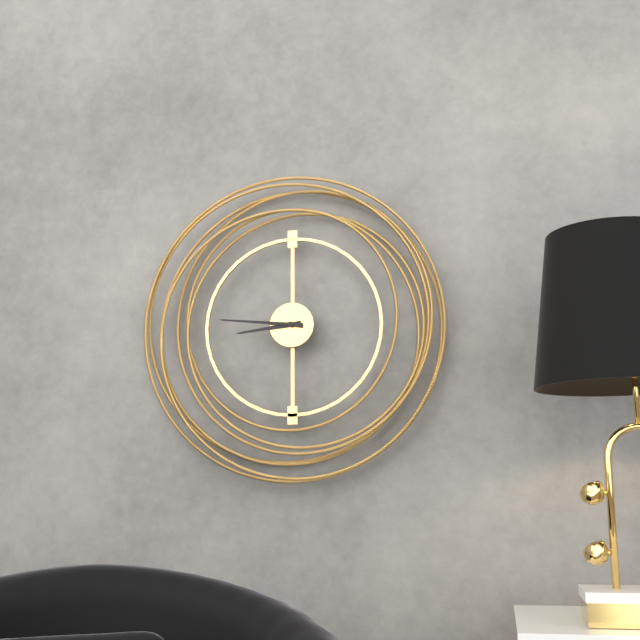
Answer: 8,46
